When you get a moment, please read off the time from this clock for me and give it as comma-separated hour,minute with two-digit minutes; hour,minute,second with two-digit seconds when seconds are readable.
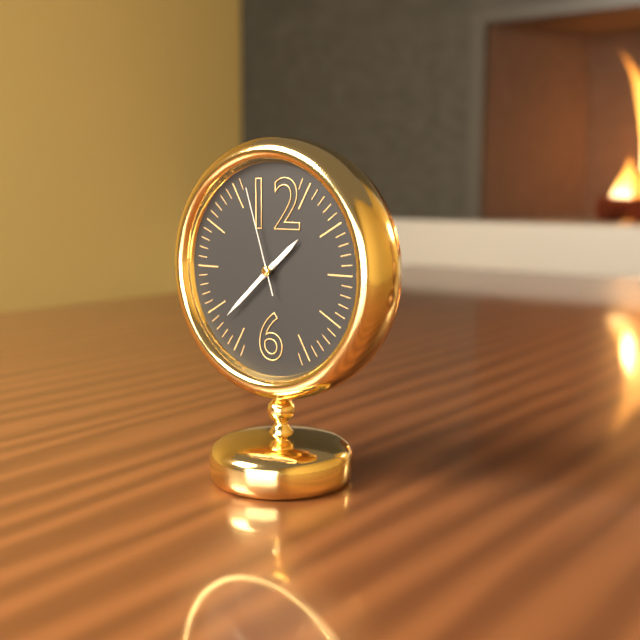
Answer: 1,38,57
